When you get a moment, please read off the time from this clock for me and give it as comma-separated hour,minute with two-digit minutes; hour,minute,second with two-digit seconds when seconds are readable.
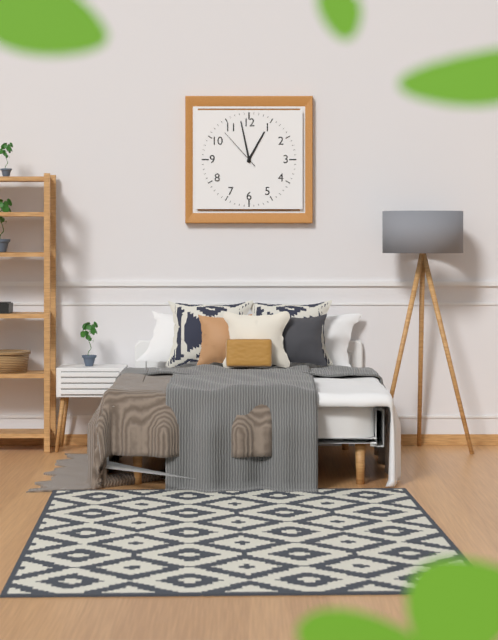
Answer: 12,58
